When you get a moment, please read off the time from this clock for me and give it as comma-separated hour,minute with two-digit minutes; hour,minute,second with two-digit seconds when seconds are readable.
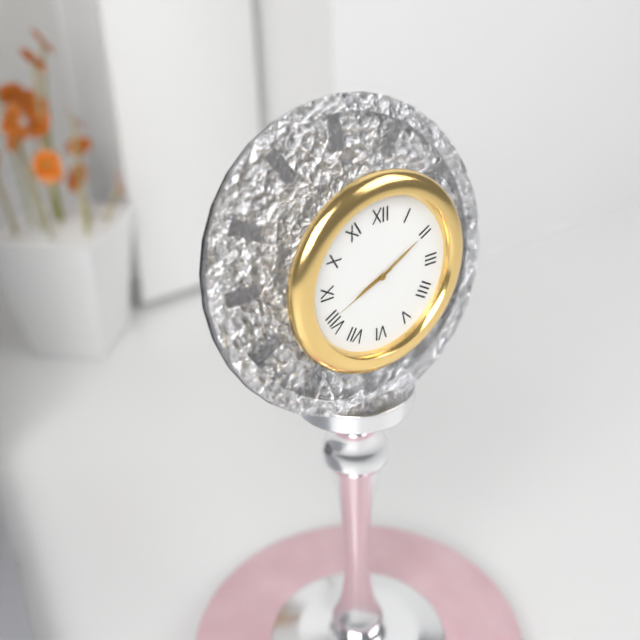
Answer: 8,10,41
